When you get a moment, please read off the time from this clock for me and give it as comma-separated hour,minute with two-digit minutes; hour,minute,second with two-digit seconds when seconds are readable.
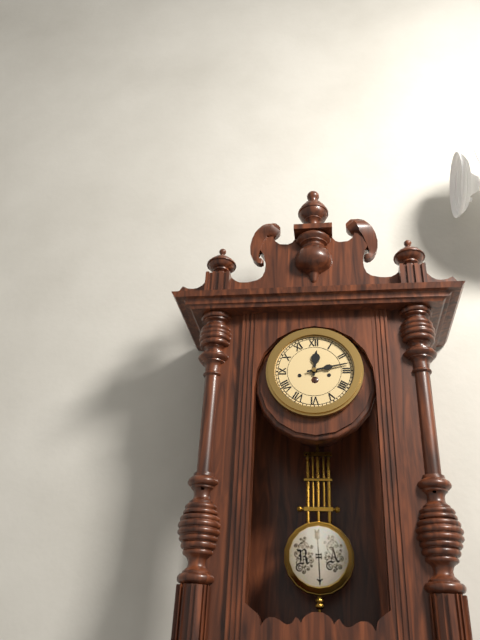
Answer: 12,13
